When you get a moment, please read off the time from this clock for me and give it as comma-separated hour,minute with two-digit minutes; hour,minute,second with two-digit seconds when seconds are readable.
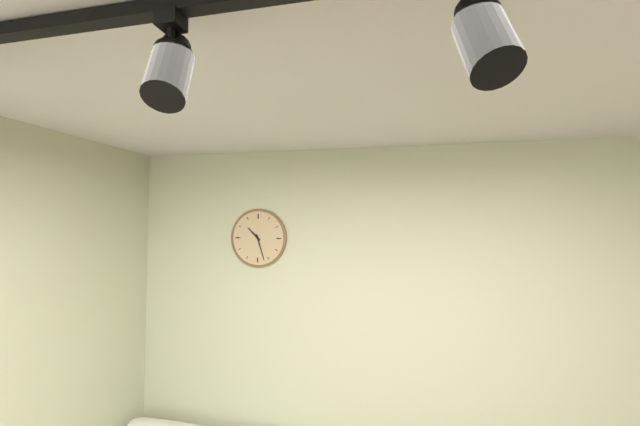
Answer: 10,27
